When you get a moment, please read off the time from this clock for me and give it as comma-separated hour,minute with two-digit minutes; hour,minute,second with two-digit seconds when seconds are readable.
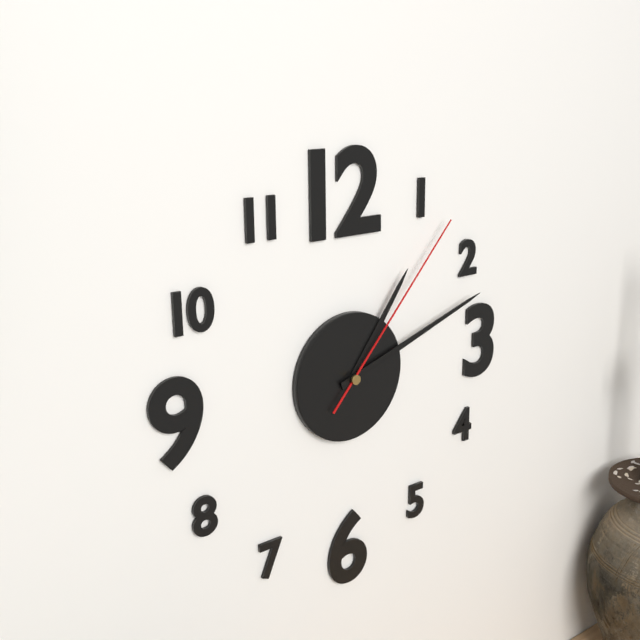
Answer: 1,12,07
